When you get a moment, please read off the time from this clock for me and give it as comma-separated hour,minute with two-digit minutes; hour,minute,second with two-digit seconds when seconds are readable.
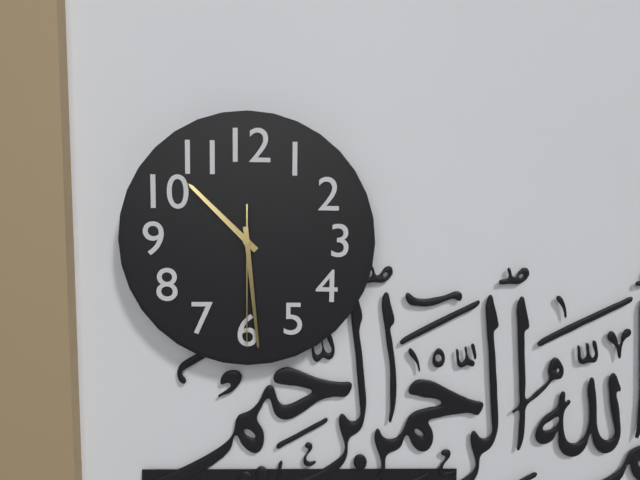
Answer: 10,29,30
